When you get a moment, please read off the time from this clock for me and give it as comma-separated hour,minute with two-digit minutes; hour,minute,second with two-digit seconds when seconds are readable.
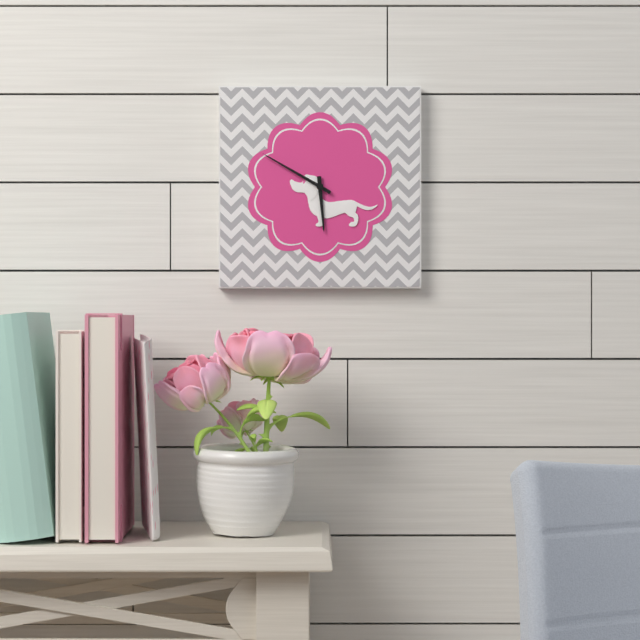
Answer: 5,50
